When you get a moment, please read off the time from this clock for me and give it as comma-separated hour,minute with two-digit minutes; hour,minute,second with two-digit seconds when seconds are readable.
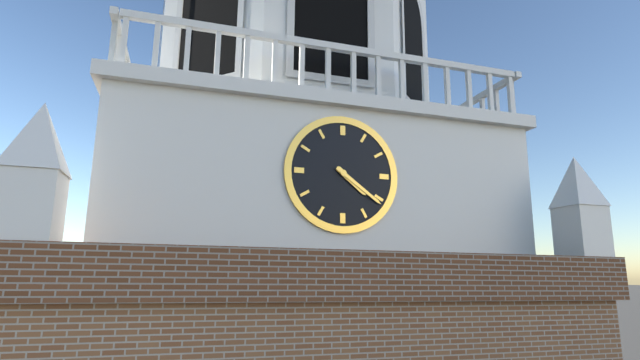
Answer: 4,21
